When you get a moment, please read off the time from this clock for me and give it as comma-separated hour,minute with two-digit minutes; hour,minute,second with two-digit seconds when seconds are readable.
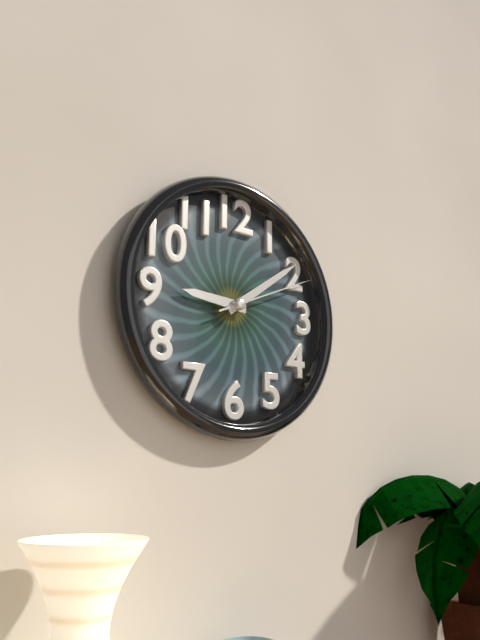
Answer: 9,09,11
